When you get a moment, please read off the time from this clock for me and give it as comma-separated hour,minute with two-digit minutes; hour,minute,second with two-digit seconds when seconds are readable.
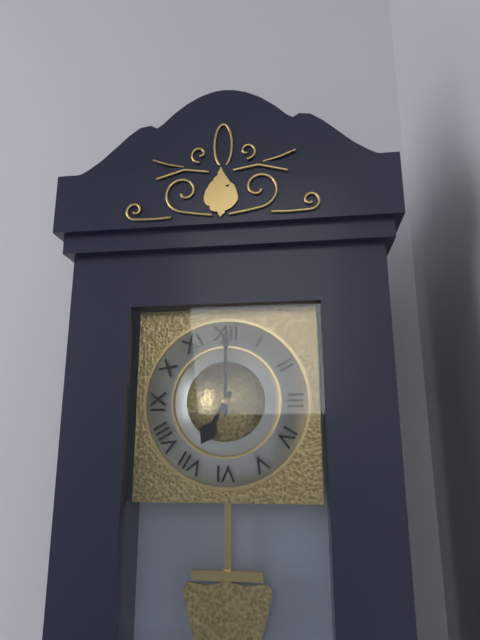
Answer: 7,00
